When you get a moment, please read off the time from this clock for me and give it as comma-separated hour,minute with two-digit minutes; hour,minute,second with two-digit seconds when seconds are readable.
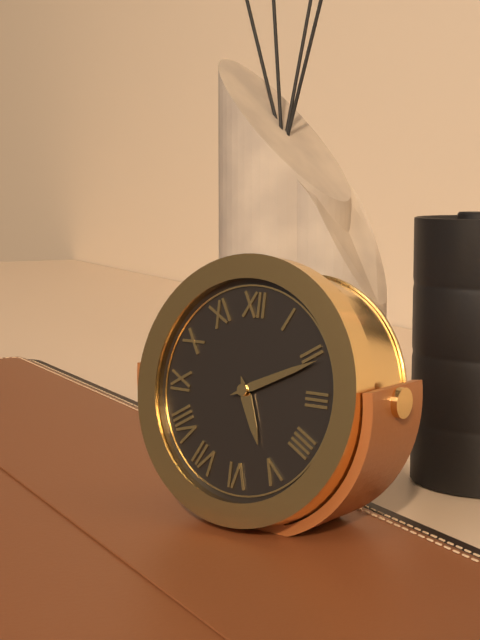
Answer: 5,11
